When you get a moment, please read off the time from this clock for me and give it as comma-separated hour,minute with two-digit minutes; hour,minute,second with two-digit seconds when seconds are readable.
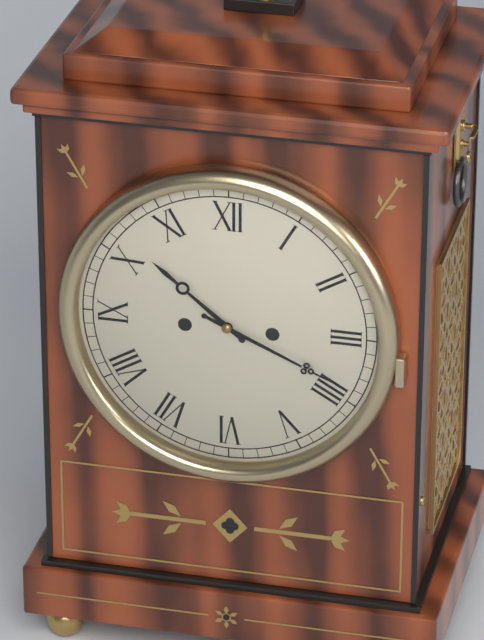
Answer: 10,19
